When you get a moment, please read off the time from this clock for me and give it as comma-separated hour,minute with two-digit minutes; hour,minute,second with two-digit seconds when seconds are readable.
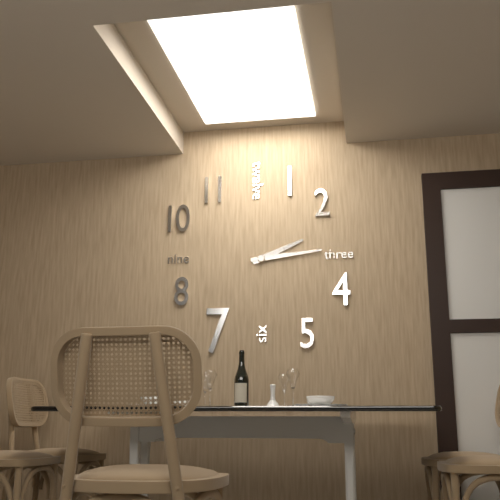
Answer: 2,14
